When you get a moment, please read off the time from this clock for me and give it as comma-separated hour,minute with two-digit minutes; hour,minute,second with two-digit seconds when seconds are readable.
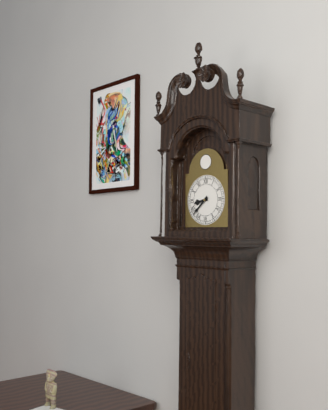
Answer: 8,38
